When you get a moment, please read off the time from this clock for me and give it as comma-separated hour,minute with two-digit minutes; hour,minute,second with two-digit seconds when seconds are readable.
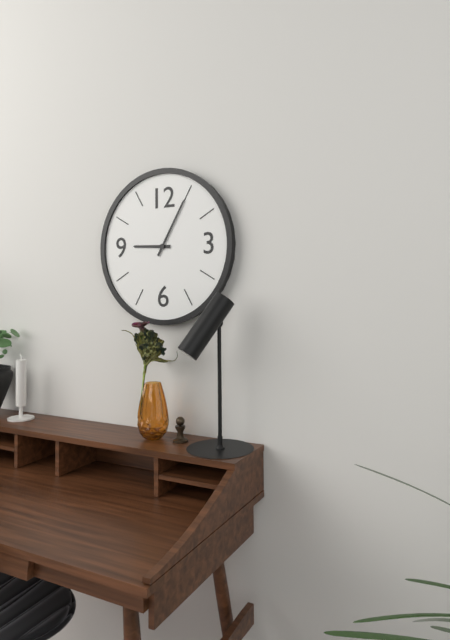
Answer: 9,05
